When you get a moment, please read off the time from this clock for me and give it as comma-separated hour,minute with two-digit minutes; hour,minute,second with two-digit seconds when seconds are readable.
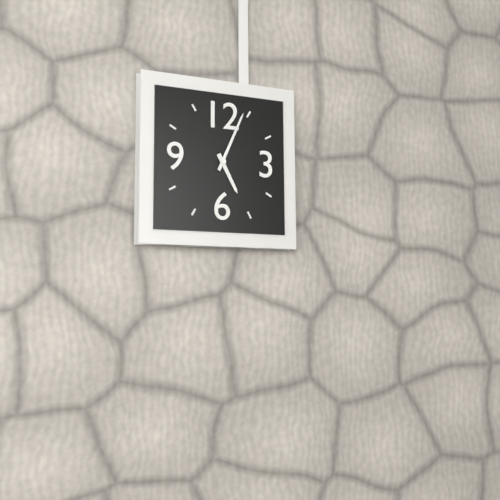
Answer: 5,04
